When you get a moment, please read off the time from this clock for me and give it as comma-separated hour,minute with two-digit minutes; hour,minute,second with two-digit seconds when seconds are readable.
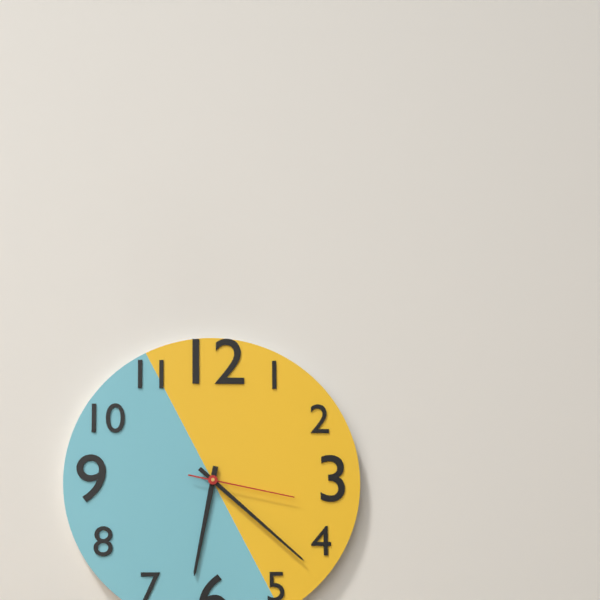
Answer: 6,22,17
